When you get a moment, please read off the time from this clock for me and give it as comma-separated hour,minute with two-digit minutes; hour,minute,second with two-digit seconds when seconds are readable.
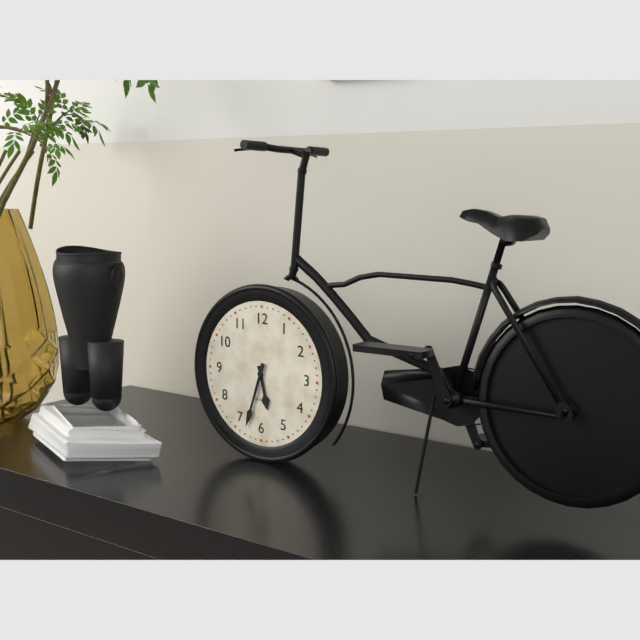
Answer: 5,33
